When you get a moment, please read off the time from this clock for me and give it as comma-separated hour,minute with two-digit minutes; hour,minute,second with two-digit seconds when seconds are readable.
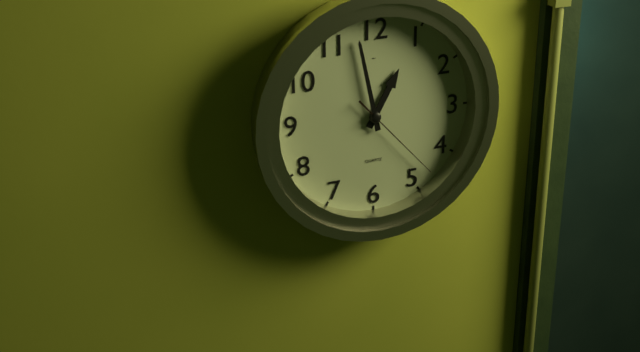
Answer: 12,58,23
